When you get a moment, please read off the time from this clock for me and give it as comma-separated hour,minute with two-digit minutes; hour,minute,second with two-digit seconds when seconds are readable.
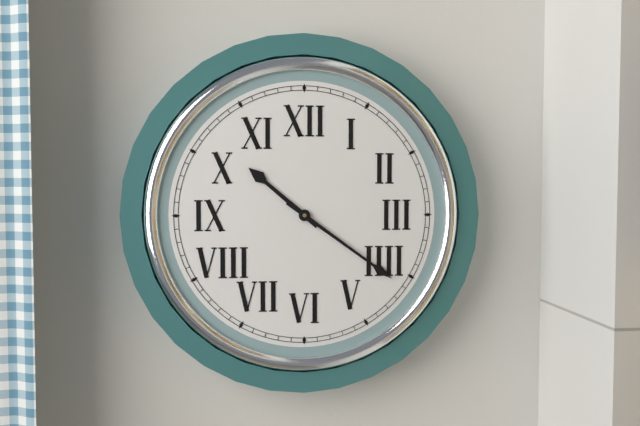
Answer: 10,21
